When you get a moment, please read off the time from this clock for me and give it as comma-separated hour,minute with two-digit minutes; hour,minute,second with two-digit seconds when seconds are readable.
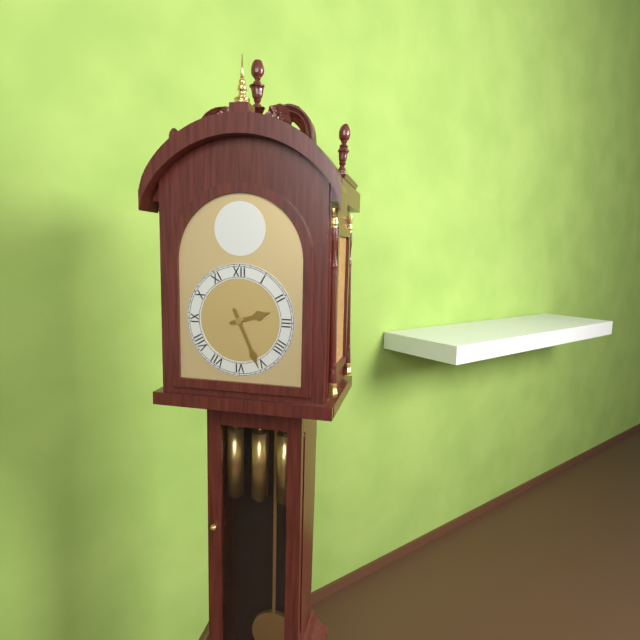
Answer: 2,26
